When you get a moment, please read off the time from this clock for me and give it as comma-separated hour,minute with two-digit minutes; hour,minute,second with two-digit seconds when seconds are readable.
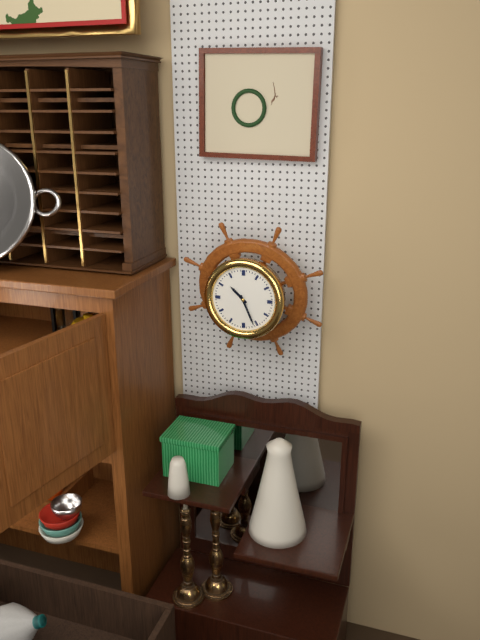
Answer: 10,26
